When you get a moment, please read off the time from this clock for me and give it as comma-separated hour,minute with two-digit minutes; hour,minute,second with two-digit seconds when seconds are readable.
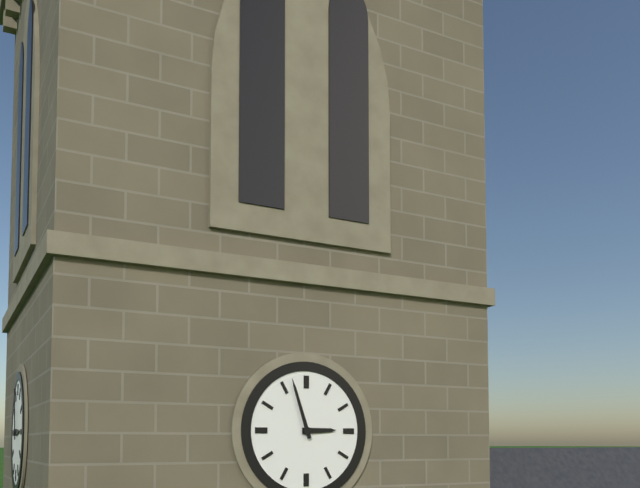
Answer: 2,57
